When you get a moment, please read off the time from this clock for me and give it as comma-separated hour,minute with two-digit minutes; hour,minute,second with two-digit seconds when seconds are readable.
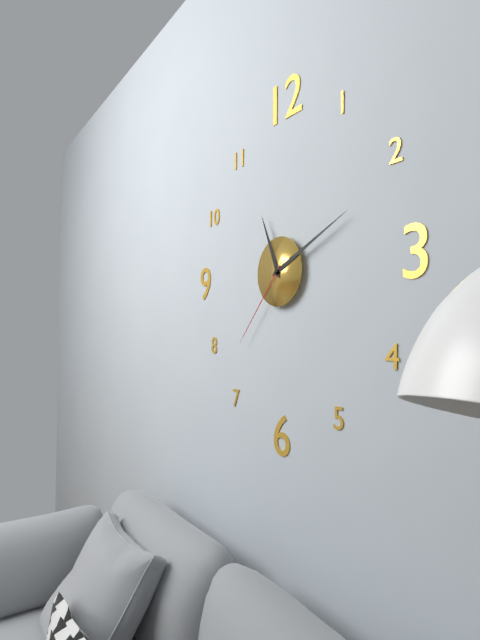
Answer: 11,11,37
